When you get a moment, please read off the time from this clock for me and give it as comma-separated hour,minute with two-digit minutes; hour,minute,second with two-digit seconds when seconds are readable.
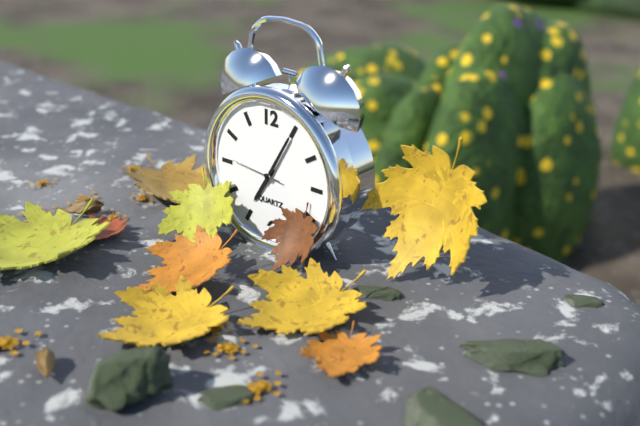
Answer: 7,05,46
